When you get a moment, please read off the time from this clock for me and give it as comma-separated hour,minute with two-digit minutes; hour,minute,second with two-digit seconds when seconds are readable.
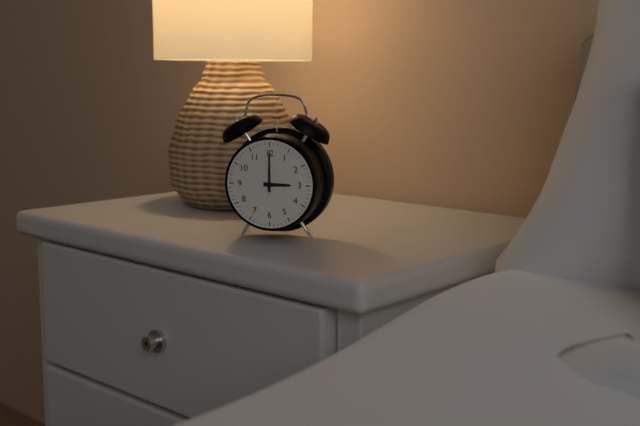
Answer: 3,00
